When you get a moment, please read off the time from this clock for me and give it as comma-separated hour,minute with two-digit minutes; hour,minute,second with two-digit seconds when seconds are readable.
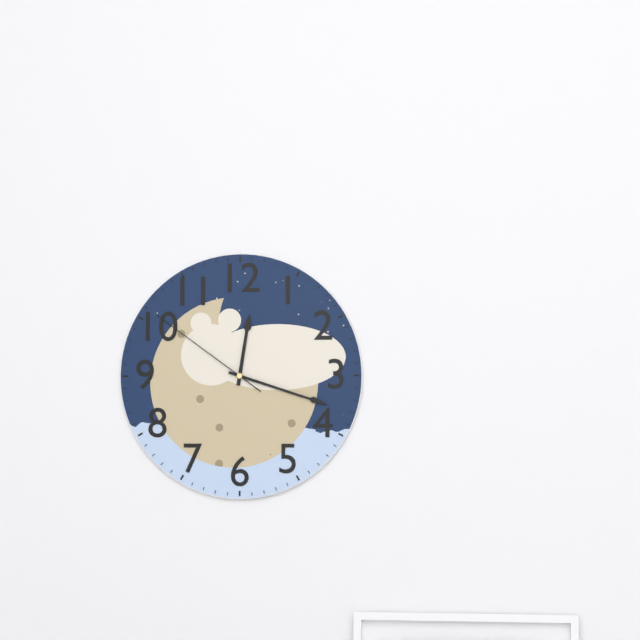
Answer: 12,18,51
